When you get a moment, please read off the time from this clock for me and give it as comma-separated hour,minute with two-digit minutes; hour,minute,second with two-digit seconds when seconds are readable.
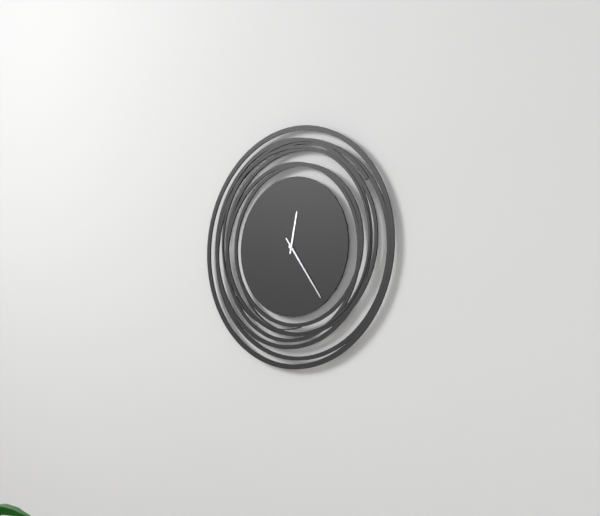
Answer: 12,24
